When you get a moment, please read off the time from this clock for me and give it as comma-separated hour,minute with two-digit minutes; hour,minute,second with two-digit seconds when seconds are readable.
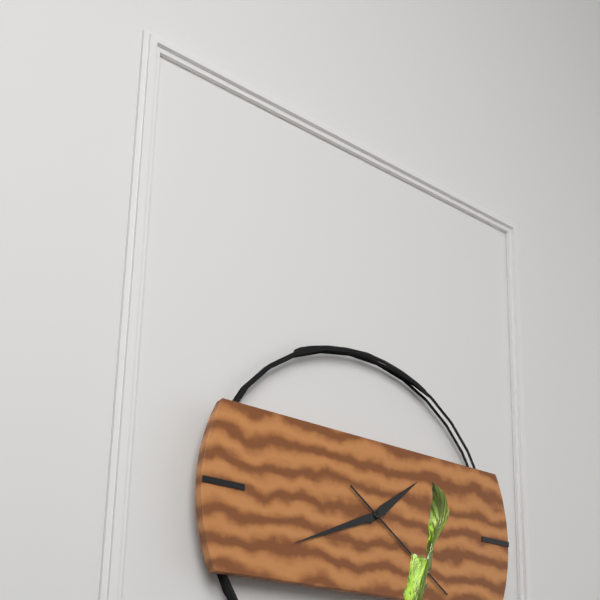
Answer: 1,41,21
